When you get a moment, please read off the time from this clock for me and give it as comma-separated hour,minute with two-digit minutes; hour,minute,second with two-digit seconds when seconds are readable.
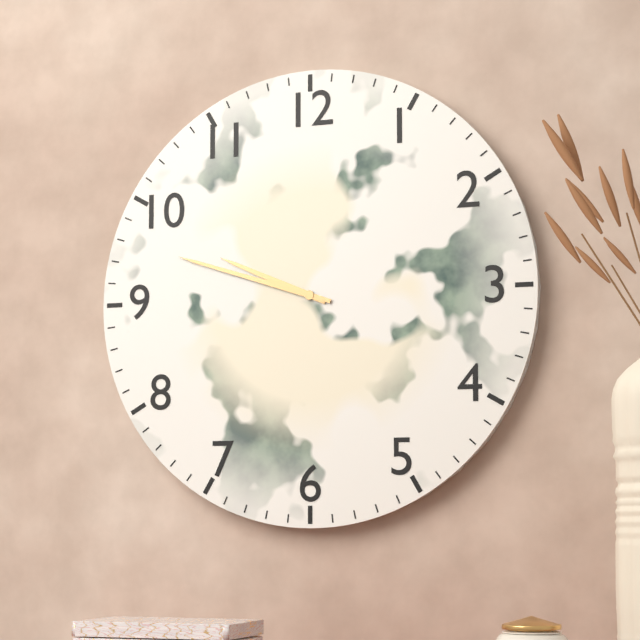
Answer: 9,48
